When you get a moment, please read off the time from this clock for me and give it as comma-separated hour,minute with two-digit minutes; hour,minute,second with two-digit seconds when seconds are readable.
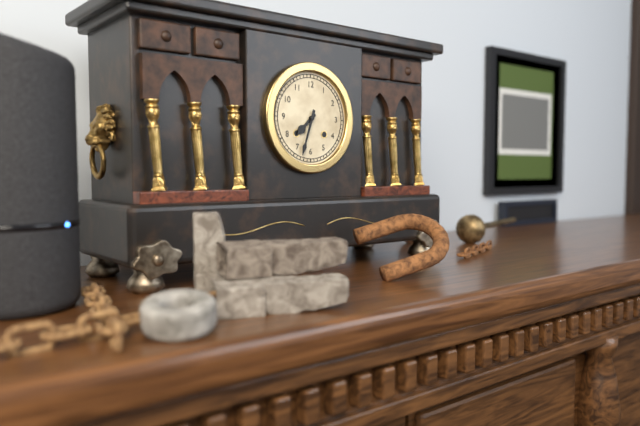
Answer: 7,33
